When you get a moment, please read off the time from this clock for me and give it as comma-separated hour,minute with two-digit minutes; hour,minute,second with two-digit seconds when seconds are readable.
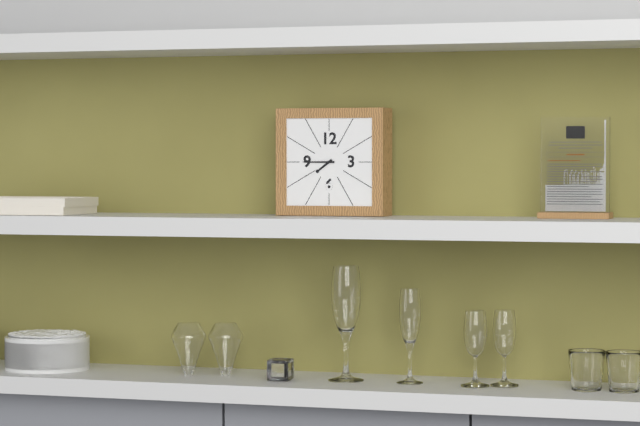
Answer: 7,45
